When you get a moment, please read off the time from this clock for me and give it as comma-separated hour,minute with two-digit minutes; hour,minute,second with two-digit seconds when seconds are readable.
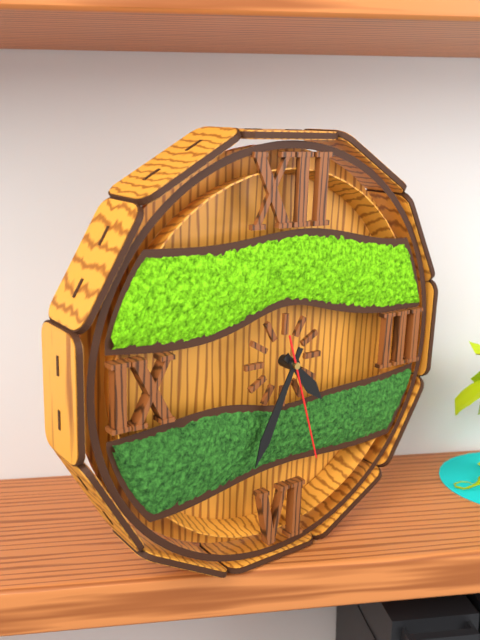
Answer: 4,34,27
